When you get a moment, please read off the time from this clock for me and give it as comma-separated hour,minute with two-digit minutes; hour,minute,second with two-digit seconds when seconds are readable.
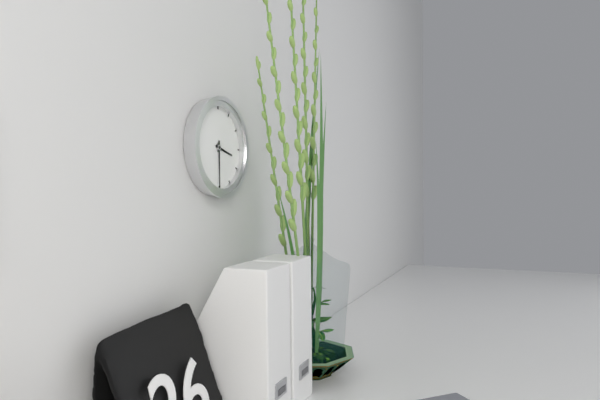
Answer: 3,30
